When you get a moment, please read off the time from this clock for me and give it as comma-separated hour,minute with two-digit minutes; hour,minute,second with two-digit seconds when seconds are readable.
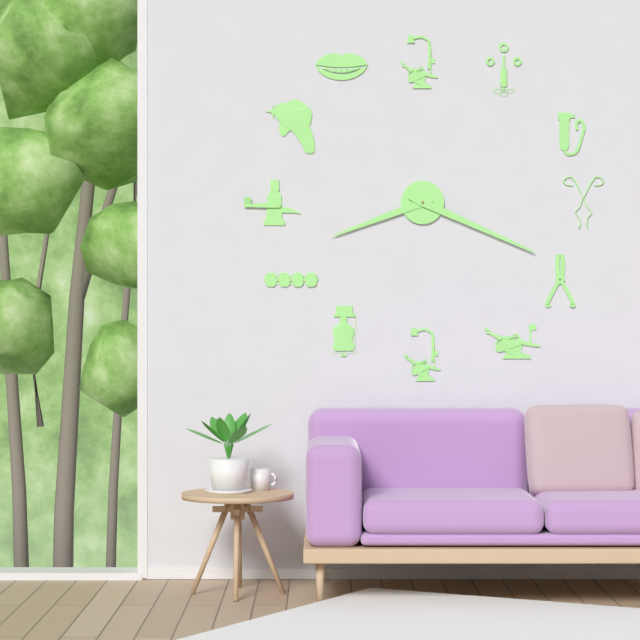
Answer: 8,19
